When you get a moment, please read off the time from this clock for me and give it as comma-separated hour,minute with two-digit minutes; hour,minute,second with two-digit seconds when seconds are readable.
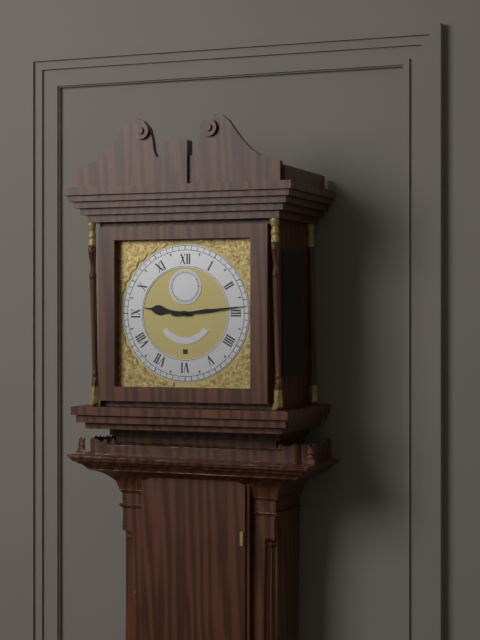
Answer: 9,14
